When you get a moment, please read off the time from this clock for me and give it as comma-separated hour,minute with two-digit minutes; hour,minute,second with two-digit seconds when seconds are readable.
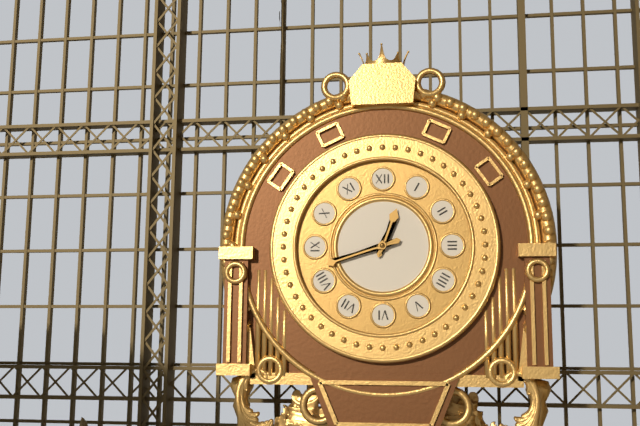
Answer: 12,42
